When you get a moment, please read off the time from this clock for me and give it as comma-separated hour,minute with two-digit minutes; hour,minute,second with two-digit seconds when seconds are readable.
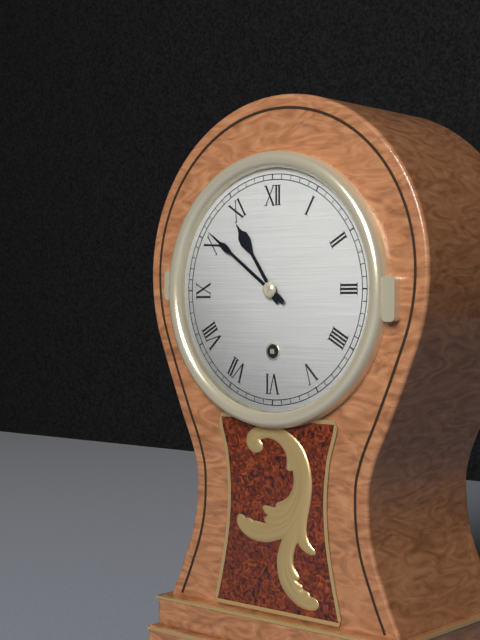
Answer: 10,51
